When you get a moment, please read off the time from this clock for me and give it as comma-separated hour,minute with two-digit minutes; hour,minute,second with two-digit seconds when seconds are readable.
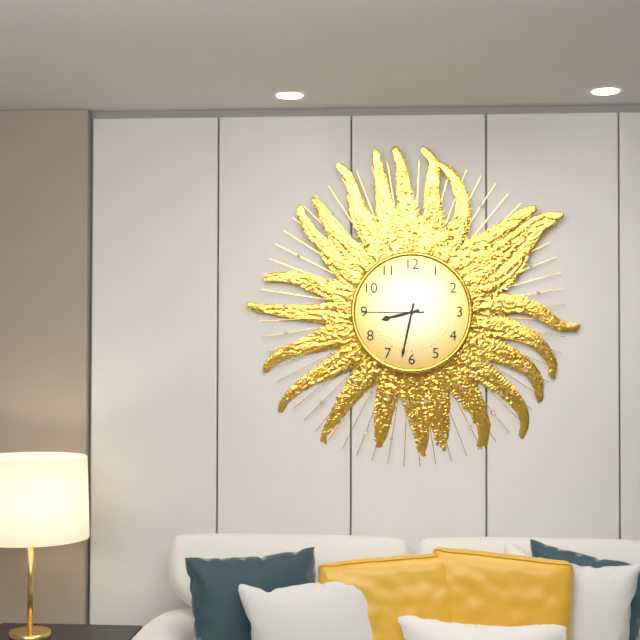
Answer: 8,32,45
